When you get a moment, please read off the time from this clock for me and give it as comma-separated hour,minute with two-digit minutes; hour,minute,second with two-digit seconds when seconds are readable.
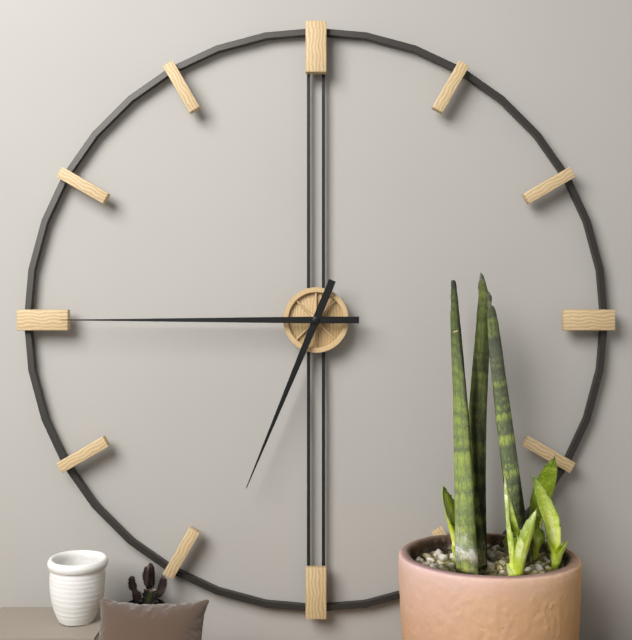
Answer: 6,45
